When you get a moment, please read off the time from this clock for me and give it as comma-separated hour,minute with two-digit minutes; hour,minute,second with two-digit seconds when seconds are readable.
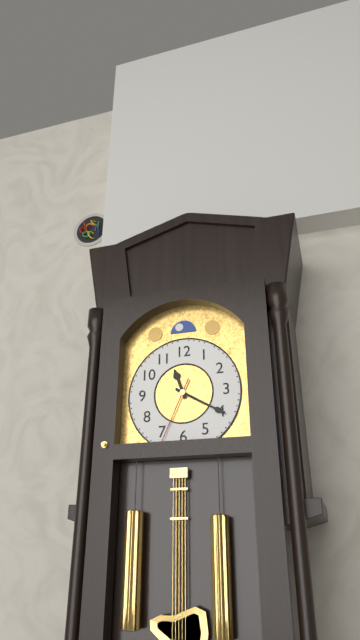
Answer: 11,20,34
